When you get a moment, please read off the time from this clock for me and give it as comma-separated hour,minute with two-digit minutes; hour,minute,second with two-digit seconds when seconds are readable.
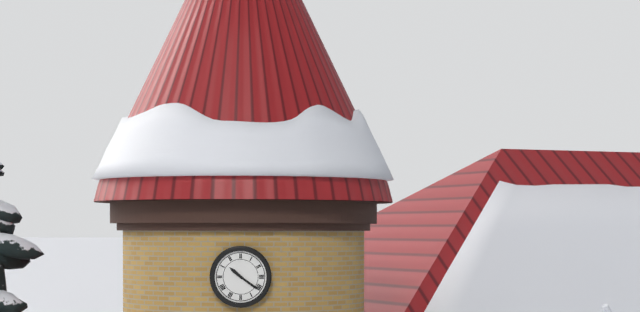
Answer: 10,21
